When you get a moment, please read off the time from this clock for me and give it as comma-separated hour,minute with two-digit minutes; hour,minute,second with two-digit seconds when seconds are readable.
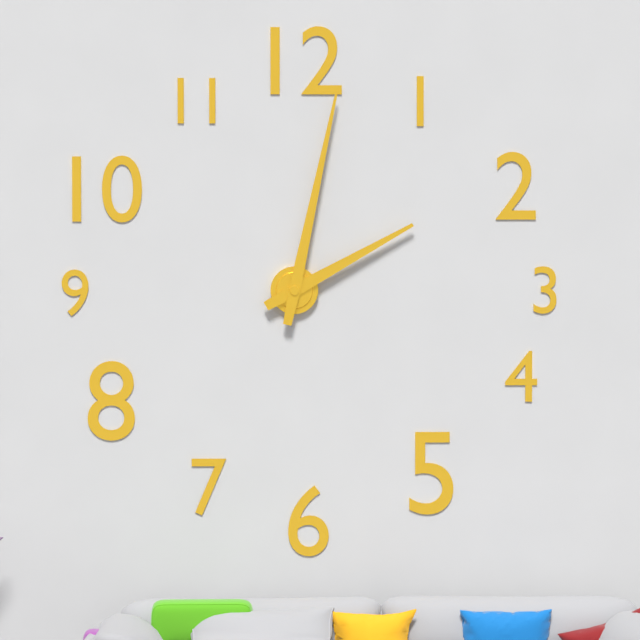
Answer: 2,02
